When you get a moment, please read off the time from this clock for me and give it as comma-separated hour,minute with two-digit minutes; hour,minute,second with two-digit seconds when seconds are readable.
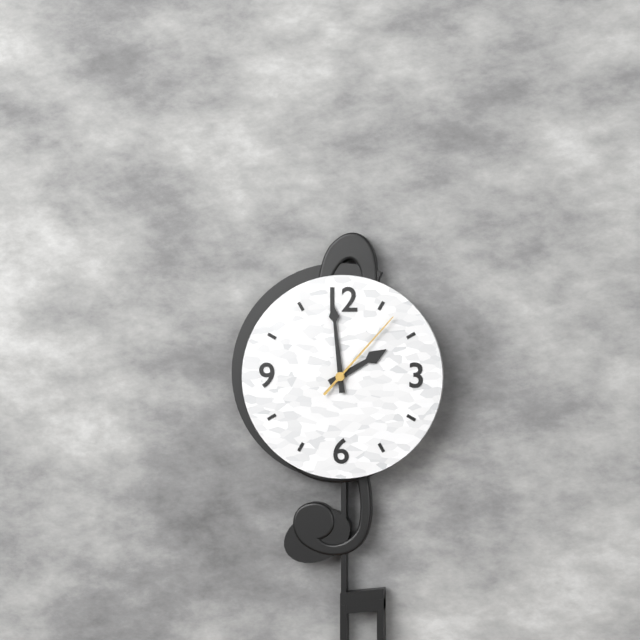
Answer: 1,59,07
